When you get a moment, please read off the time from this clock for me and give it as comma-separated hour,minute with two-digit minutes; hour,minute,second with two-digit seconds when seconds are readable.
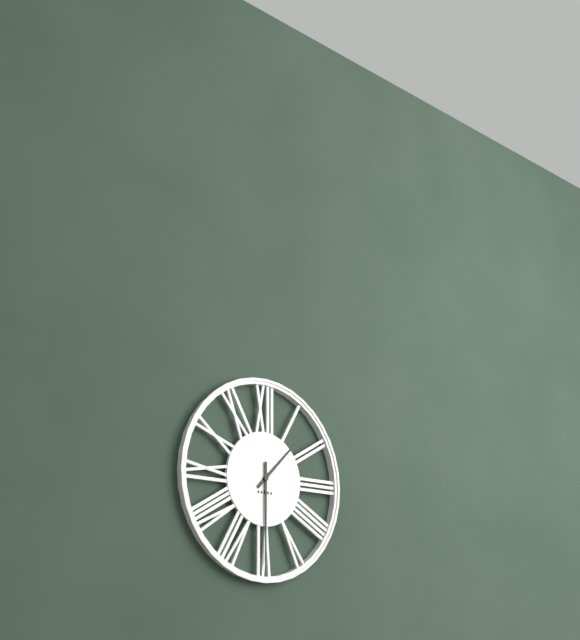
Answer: 1,30
